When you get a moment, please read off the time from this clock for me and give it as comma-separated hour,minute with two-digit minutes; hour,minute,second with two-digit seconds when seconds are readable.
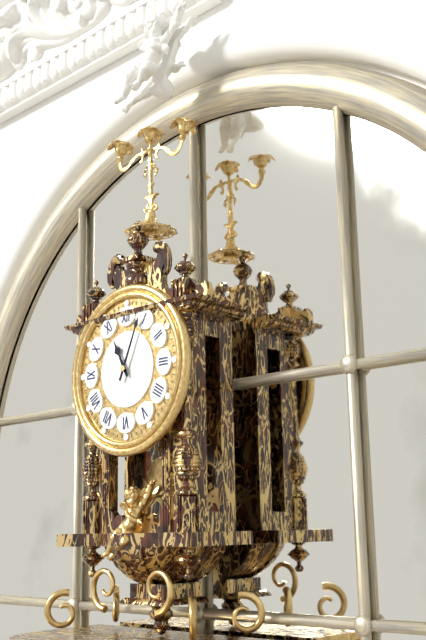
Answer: 11,04
